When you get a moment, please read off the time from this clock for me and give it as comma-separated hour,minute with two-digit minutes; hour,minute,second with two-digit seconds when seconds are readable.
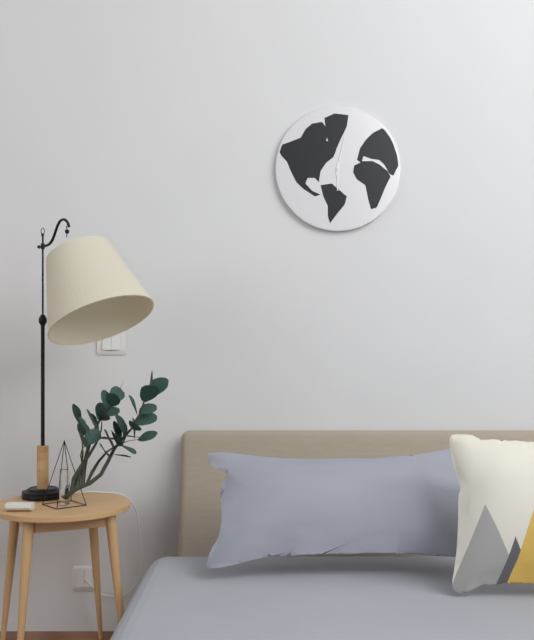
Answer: 6,02
